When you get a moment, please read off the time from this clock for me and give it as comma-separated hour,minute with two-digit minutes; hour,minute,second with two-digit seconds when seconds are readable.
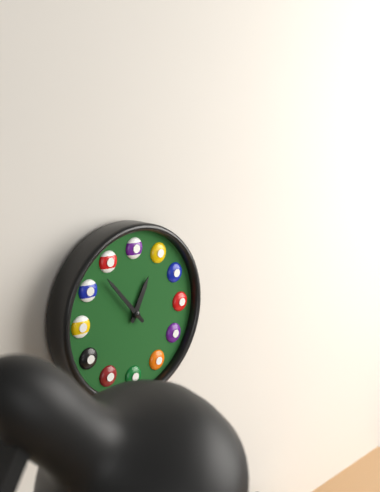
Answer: 12,53
